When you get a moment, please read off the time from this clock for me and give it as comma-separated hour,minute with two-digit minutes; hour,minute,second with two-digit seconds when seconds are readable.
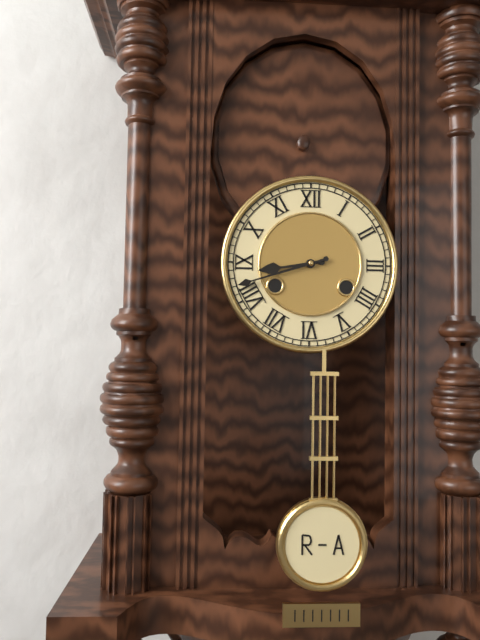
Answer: 8,42
